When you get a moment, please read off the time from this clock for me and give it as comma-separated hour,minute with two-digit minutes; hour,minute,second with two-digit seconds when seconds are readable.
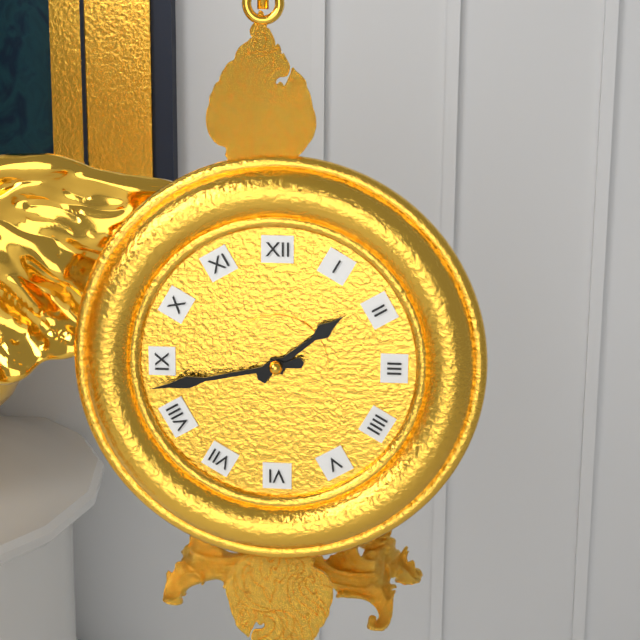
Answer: 1,43
